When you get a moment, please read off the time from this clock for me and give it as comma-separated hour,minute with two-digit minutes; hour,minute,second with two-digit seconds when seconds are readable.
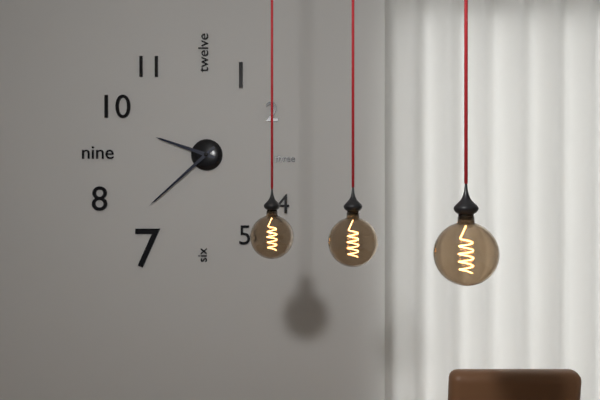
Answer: 9,38
